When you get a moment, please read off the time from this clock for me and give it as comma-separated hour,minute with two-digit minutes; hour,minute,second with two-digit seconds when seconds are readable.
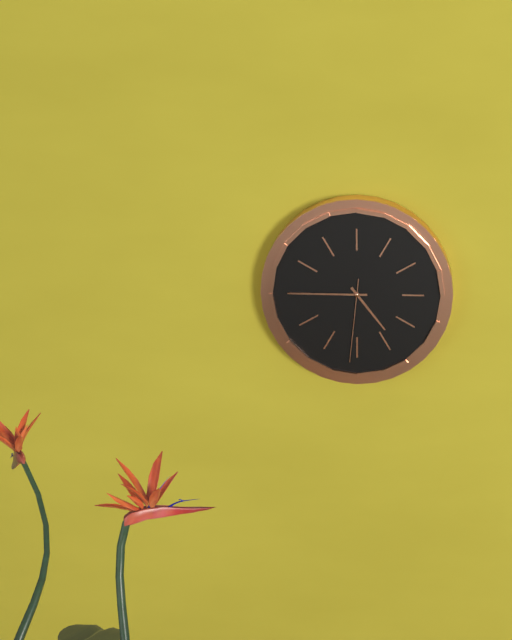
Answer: 4,45,31
